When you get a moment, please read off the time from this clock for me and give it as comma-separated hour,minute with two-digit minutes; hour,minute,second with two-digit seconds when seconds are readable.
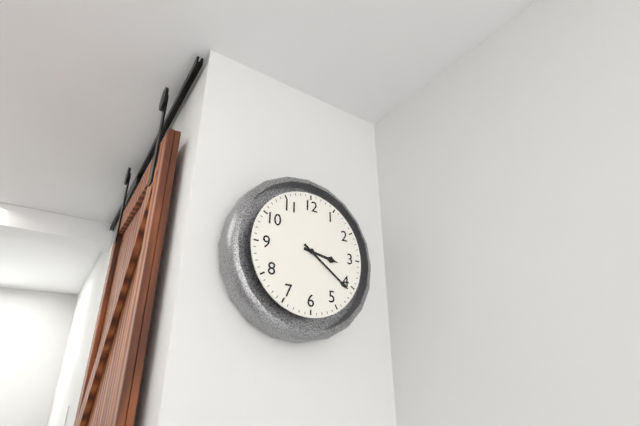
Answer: 3,21
